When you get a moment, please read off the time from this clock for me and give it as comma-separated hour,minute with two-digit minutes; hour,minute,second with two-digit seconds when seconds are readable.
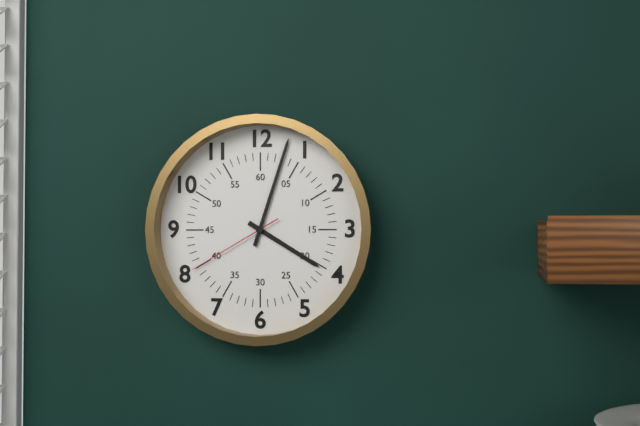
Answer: 4,03,40
